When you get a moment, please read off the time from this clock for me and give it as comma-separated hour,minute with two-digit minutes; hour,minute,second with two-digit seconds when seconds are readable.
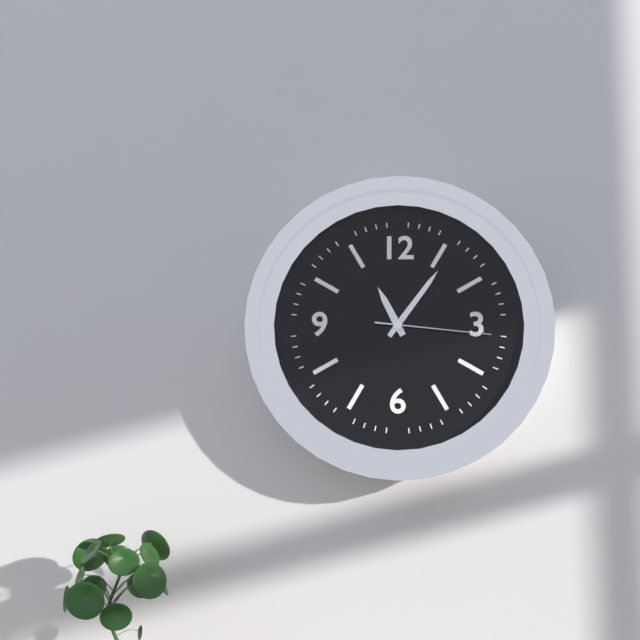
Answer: 11,06,16
